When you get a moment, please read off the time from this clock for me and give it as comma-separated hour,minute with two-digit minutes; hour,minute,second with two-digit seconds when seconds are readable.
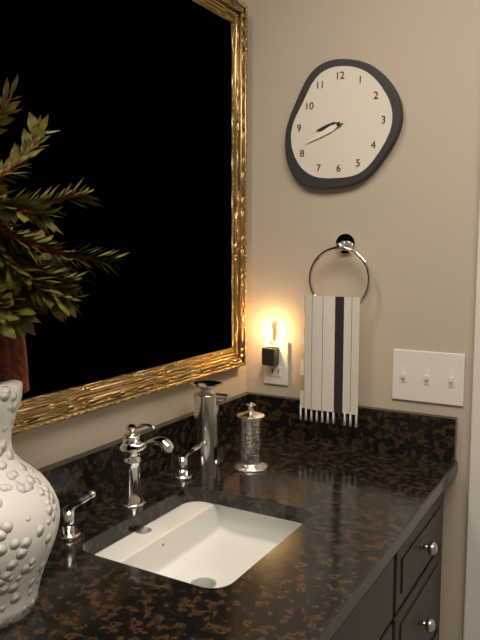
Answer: 8,41
